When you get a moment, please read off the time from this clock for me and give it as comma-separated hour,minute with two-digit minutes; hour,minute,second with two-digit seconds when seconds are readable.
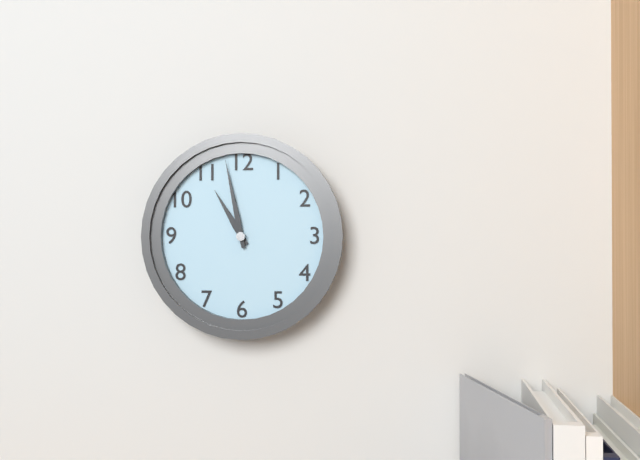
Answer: 10,58
